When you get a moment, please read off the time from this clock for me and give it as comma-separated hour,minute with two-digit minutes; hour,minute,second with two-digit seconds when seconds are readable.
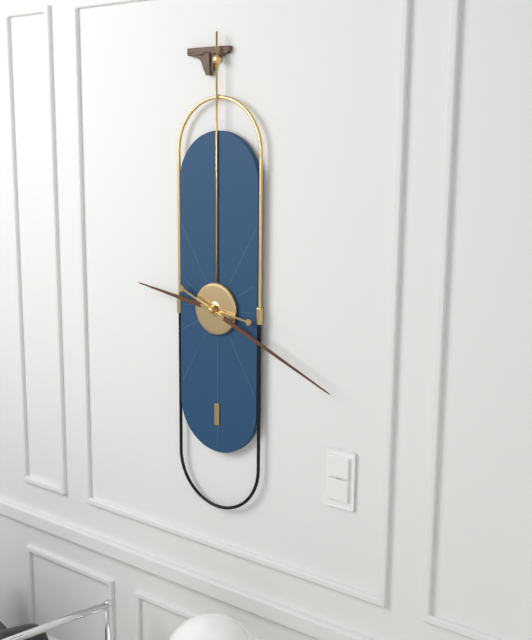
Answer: 9,19
